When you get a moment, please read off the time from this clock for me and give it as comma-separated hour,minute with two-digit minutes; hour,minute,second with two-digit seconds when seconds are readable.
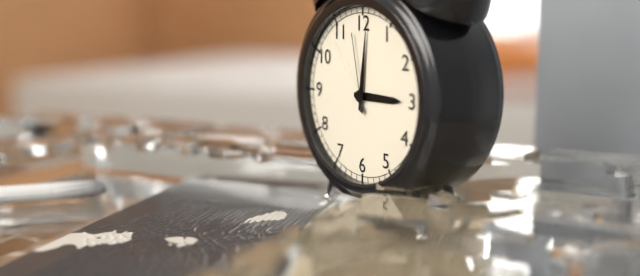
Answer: 3,01,58
